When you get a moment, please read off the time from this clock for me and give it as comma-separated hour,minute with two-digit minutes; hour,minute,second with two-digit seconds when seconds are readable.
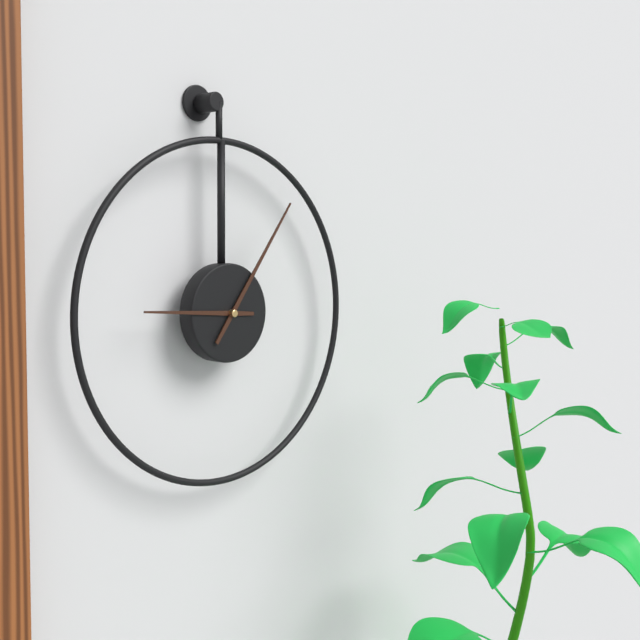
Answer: 9,06
